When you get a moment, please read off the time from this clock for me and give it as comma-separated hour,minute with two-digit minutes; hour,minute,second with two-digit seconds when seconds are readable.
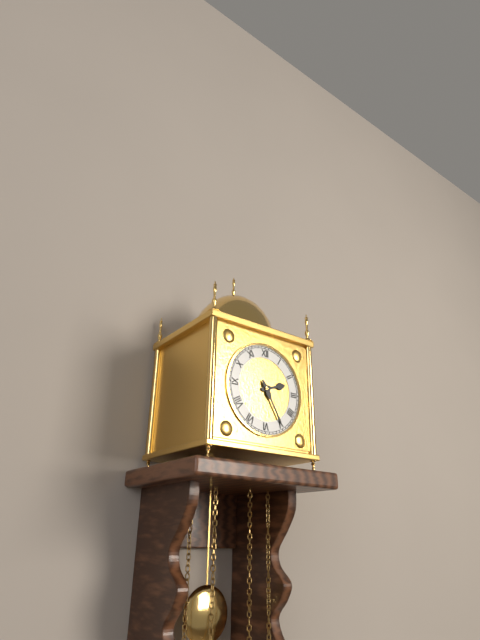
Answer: 2,25
